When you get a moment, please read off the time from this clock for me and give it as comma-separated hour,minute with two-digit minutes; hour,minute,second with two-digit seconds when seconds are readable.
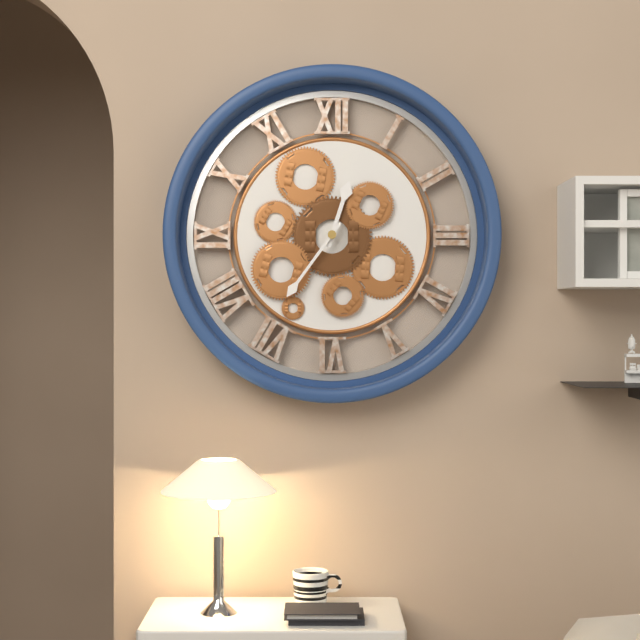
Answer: 12,36
